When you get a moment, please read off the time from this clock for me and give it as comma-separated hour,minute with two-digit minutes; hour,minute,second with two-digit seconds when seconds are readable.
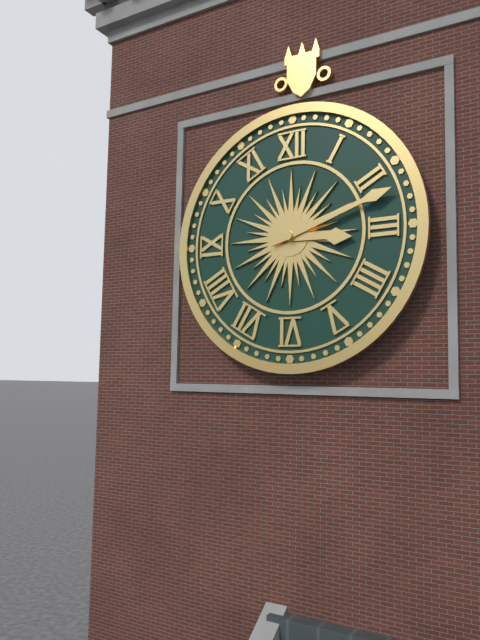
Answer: 3,12
